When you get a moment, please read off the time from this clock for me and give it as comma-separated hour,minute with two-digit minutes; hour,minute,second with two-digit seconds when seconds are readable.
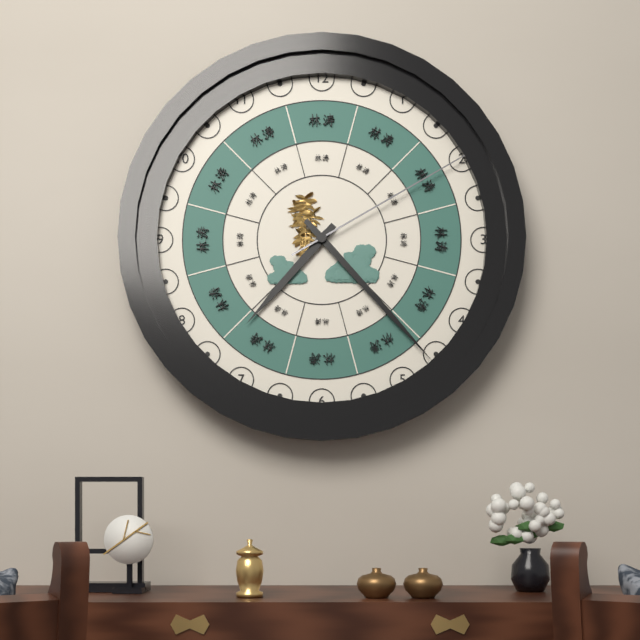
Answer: 7,23,10
